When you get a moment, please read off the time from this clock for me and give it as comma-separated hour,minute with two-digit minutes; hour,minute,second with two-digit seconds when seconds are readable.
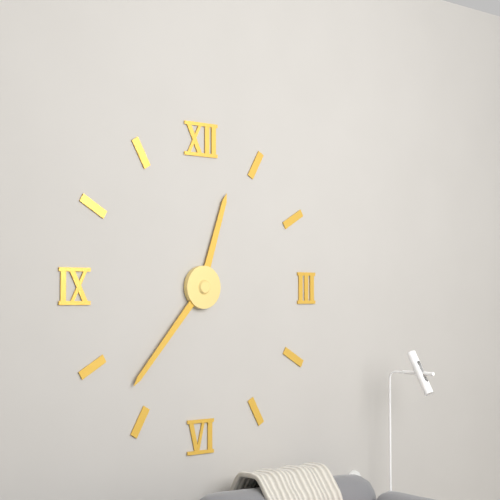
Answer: 12,37
